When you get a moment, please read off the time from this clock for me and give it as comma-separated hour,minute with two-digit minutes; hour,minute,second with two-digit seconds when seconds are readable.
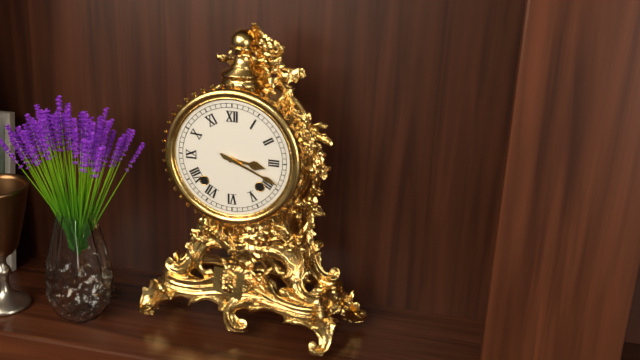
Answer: 3,19
